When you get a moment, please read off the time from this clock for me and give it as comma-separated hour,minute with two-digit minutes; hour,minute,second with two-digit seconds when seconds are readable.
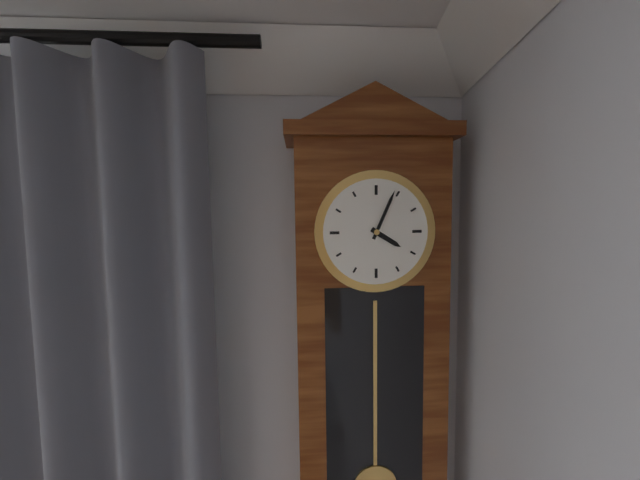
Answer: 4,04
